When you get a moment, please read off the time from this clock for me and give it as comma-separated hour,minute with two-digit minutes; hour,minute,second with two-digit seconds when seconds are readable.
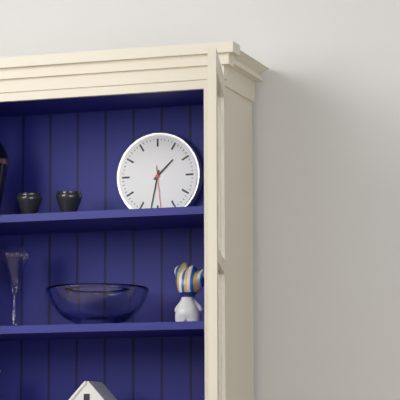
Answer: 1,32
